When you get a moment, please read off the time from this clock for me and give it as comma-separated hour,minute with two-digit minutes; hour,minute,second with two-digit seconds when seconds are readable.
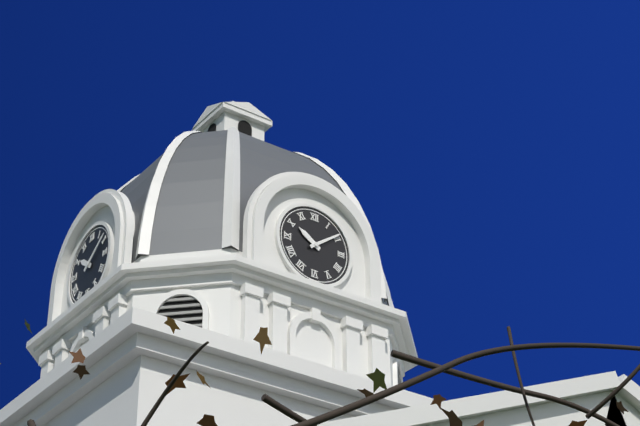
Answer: 10,09
